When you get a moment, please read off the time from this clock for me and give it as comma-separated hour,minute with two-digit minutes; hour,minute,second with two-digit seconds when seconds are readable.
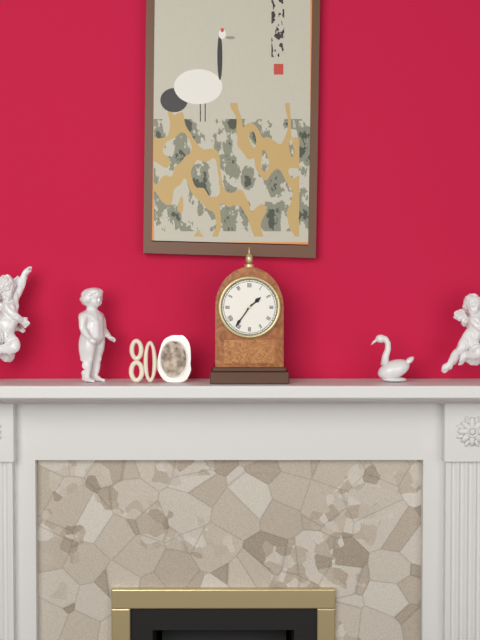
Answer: 1,36
